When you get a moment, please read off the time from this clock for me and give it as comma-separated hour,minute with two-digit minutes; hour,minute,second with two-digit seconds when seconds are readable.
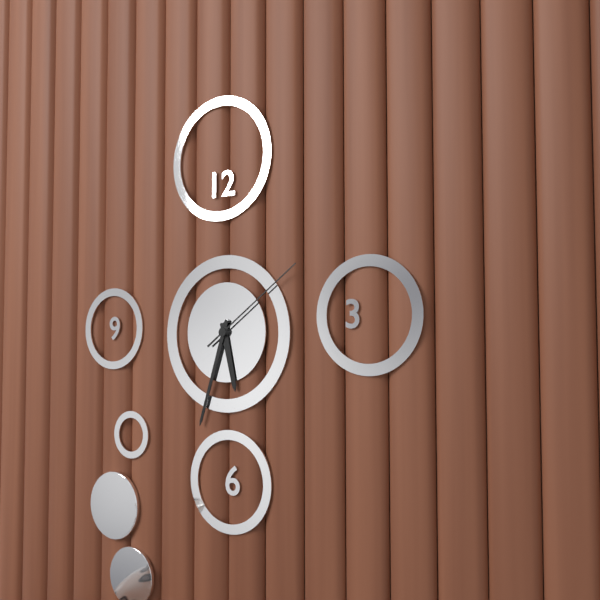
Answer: 5,33,09
